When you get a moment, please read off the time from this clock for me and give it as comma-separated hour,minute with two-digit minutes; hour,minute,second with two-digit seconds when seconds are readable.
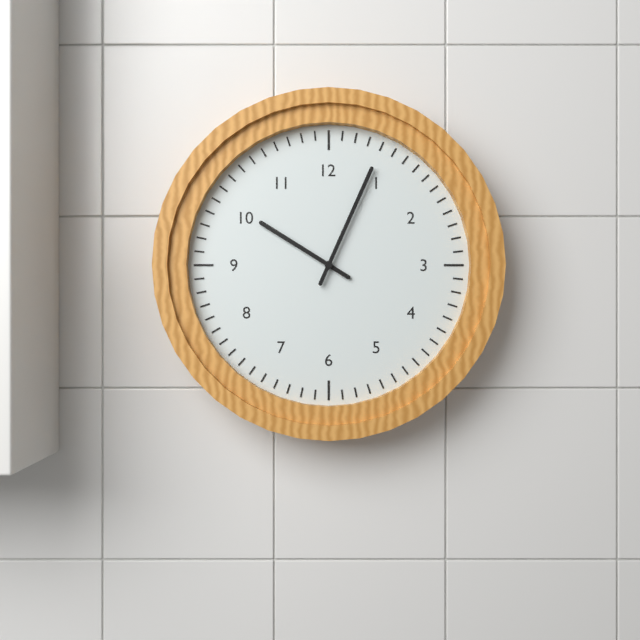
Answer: 10,04
